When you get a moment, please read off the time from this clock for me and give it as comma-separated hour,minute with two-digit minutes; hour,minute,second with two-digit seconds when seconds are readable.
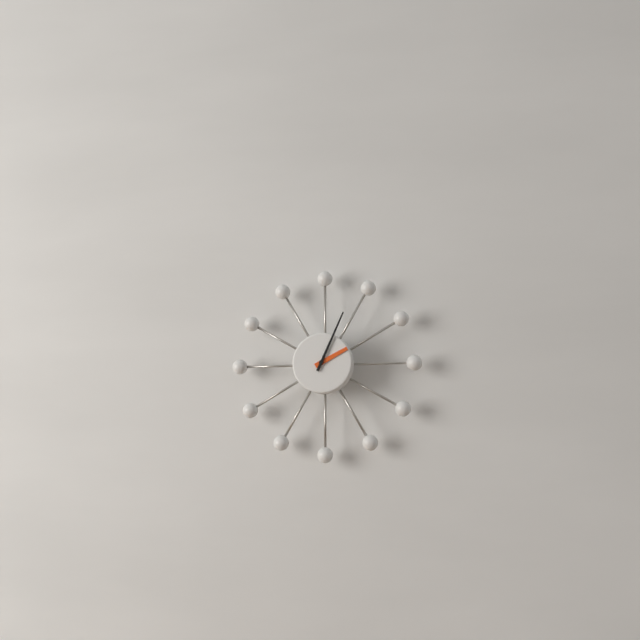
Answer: 2,04
